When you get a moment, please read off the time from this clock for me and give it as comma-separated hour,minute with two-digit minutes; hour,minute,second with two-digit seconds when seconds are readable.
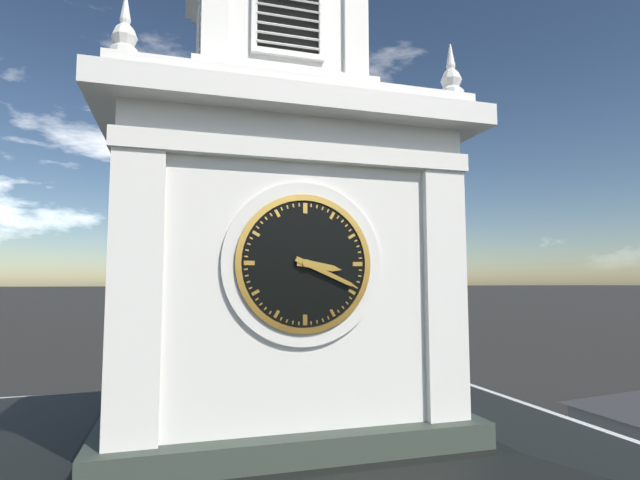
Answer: 3,19
